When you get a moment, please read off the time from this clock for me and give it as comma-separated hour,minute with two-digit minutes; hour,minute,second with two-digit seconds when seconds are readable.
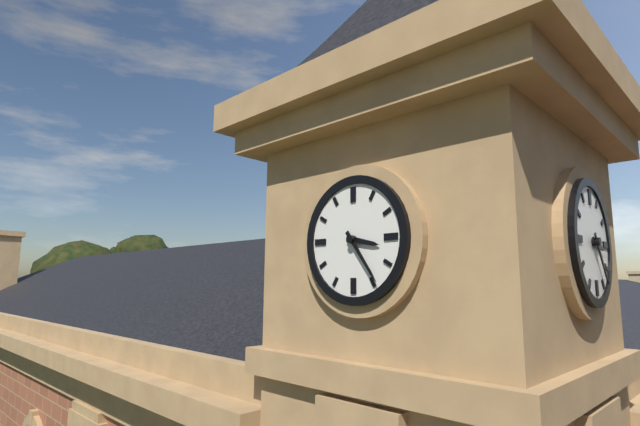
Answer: 3,24
